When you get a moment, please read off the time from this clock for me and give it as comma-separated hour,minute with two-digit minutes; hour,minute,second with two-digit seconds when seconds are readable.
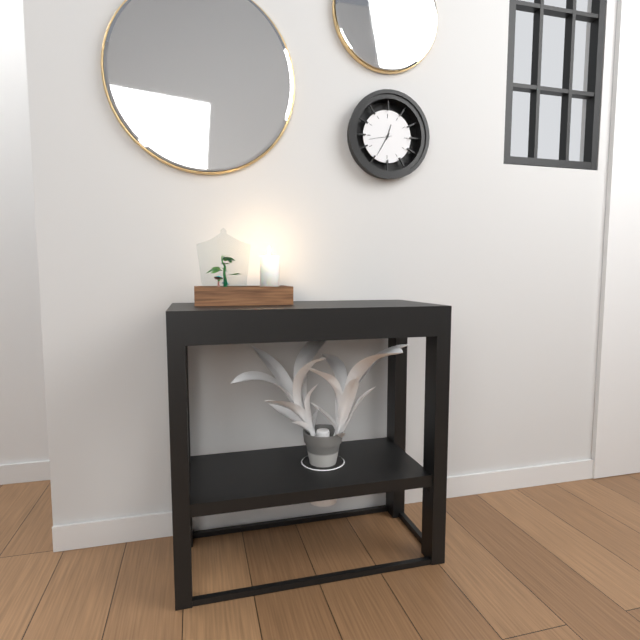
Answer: 12,35
